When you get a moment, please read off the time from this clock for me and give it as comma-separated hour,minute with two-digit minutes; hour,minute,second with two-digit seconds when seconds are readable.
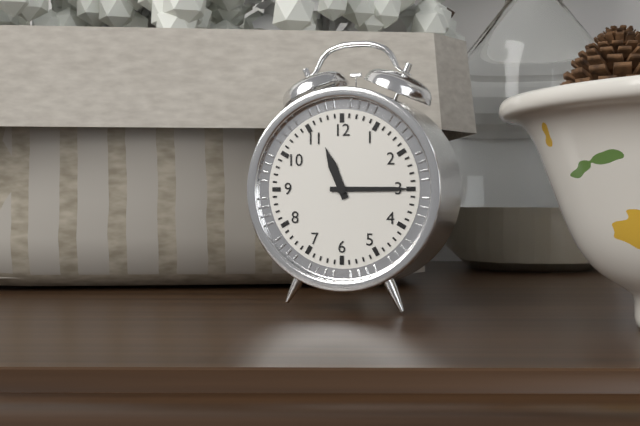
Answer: 11,15
